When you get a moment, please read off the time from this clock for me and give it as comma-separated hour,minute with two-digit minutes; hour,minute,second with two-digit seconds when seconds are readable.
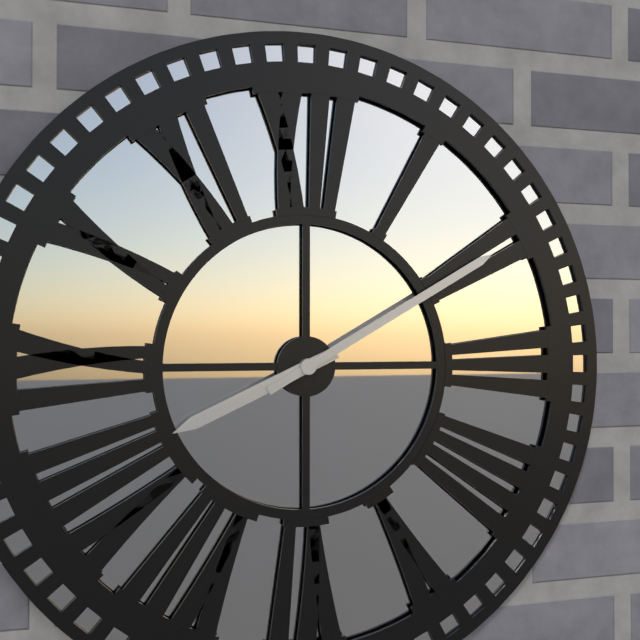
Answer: 8,10
